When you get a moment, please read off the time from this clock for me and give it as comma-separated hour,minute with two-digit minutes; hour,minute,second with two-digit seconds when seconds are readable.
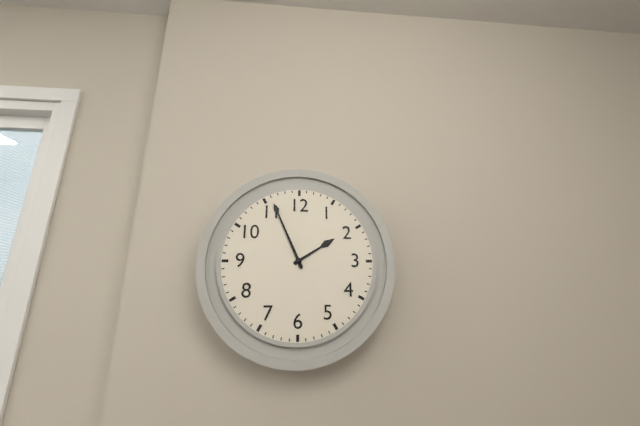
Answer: 1,56
